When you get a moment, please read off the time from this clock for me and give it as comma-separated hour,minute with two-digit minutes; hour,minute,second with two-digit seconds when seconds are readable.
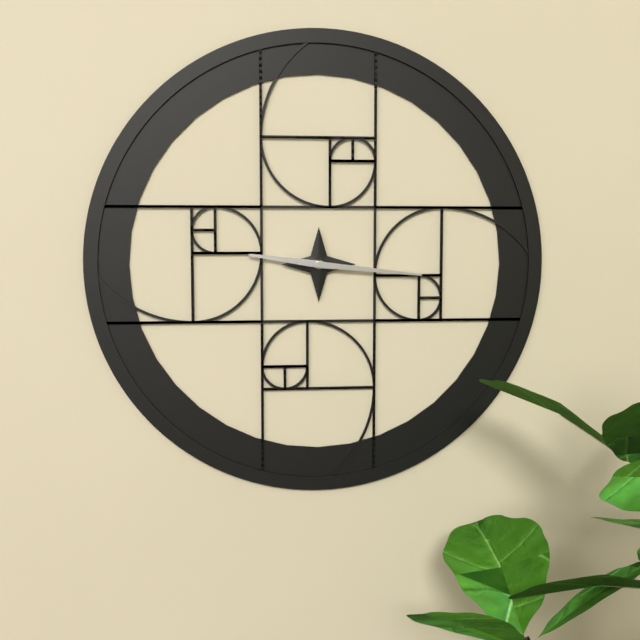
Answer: 9,16
